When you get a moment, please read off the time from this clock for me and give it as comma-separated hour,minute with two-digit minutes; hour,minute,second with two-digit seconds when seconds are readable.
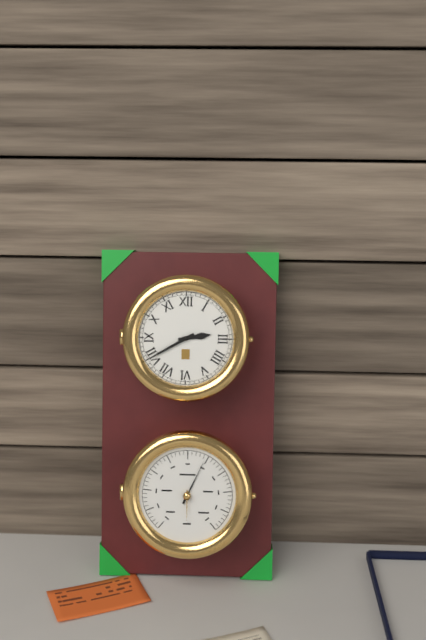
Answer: 2,40
